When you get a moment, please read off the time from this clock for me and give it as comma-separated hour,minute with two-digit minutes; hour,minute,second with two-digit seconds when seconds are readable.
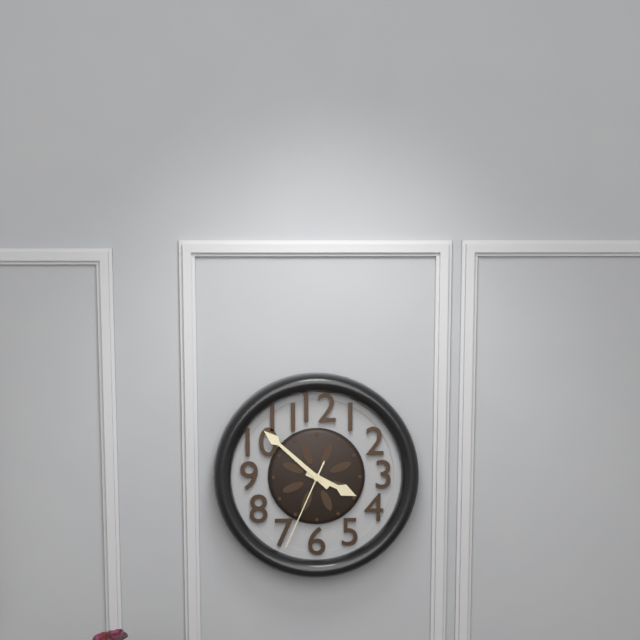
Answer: 3,52,34
